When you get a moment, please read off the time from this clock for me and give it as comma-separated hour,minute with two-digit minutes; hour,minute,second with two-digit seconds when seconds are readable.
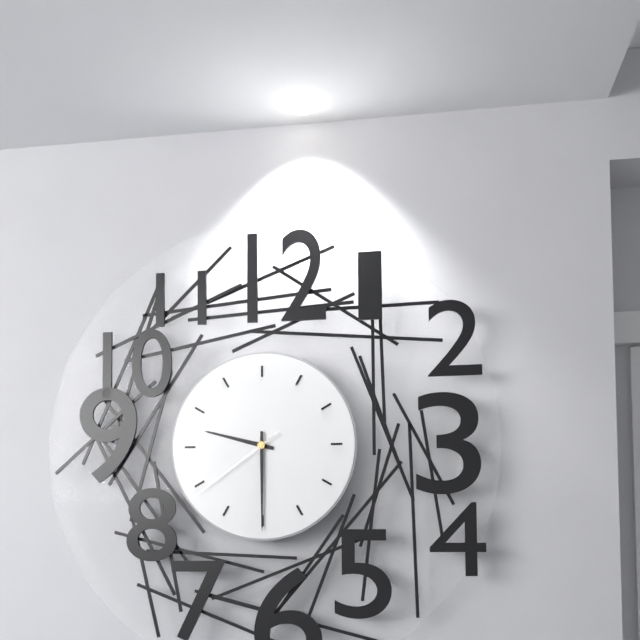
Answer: 9,30,39
